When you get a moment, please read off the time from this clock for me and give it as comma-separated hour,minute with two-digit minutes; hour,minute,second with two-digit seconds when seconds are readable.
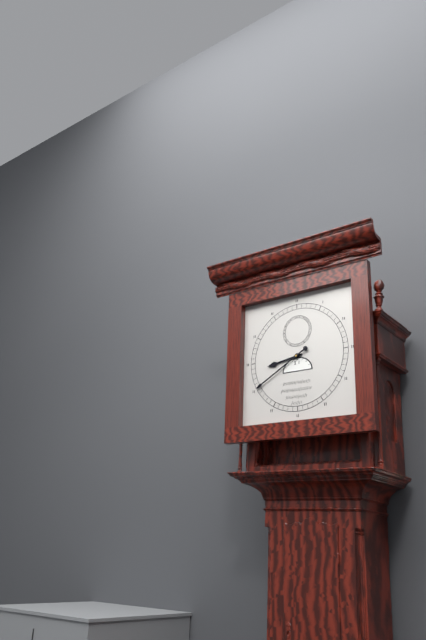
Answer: 8,40
